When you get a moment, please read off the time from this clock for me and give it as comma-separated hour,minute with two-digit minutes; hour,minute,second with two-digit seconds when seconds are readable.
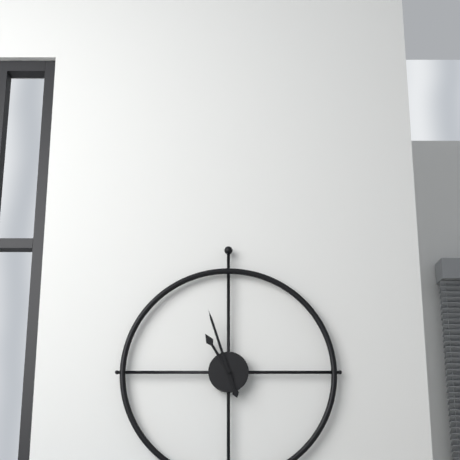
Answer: 10,57
